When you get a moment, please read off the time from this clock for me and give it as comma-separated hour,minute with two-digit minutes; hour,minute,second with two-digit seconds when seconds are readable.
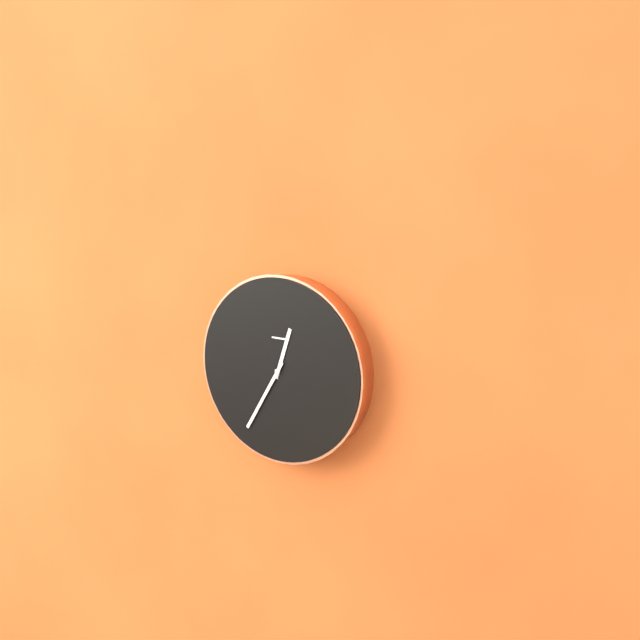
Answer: 12,35
